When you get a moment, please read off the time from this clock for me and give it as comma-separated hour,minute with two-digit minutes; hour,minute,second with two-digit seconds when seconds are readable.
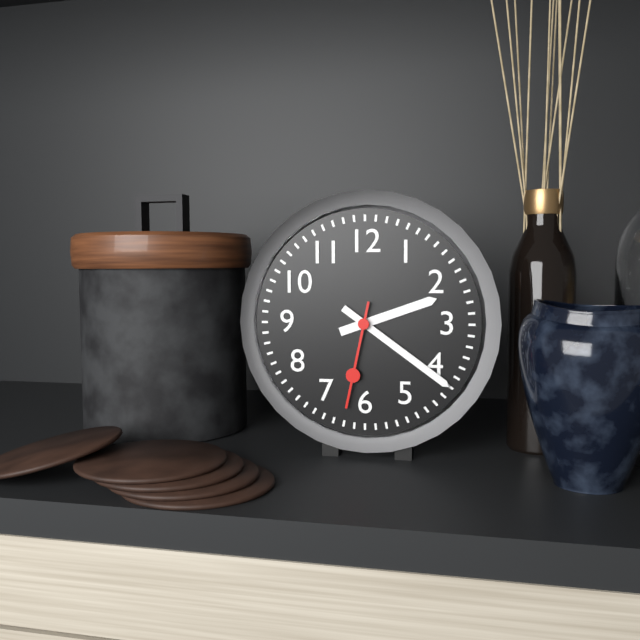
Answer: 2,21,32
